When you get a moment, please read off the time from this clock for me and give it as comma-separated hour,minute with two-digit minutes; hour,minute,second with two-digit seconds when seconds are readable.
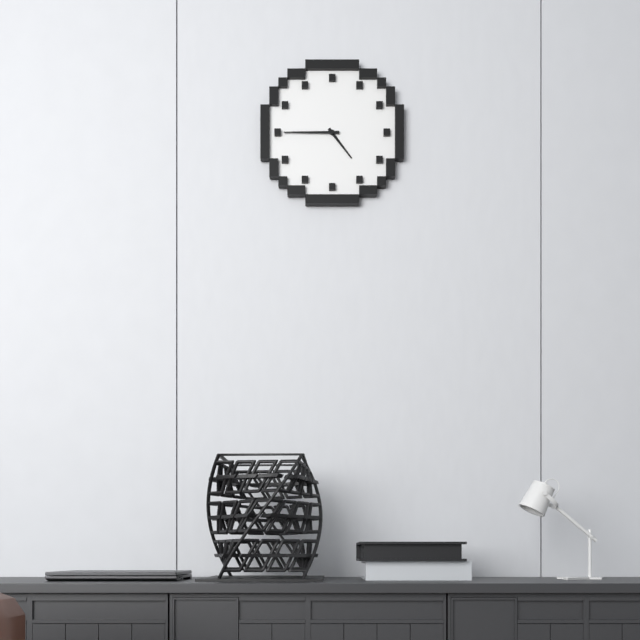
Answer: 4,45
